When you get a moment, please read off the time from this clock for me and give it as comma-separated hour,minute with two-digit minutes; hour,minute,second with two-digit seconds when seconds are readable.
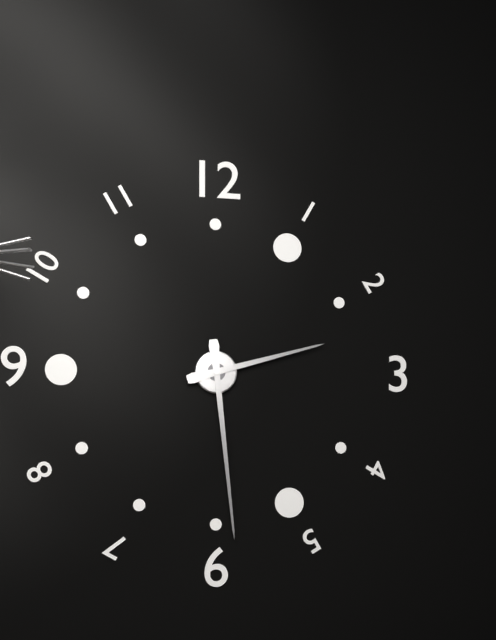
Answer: 2,29
